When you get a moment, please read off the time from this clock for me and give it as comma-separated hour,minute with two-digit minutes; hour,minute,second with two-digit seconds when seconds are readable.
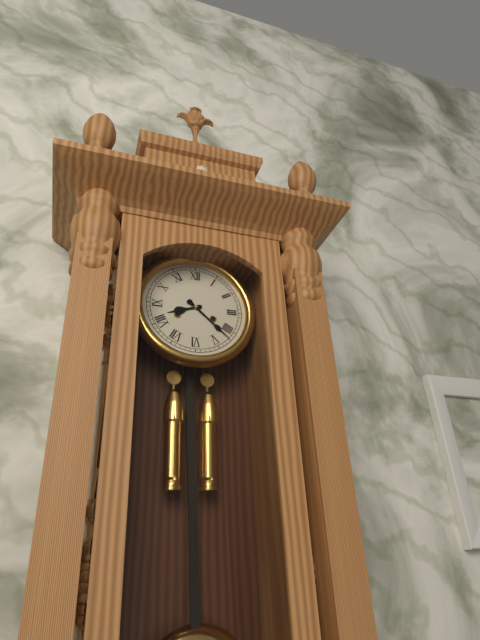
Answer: 8,22
